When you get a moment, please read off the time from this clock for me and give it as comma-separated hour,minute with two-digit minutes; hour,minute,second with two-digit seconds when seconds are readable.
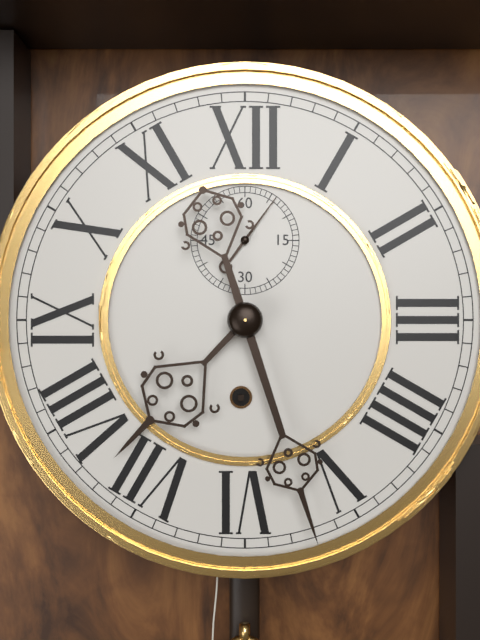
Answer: 7,27,06
